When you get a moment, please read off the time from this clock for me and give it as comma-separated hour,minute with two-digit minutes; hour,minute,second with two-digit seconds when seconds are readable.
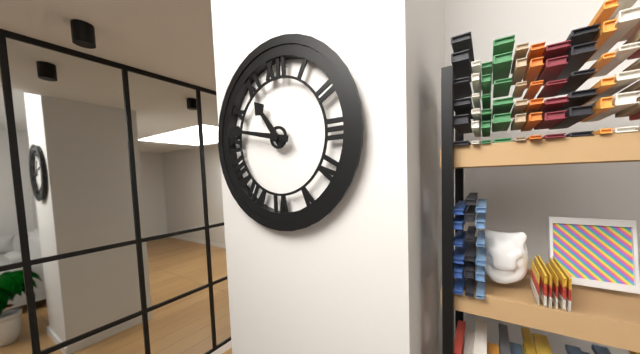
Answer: 10,47
